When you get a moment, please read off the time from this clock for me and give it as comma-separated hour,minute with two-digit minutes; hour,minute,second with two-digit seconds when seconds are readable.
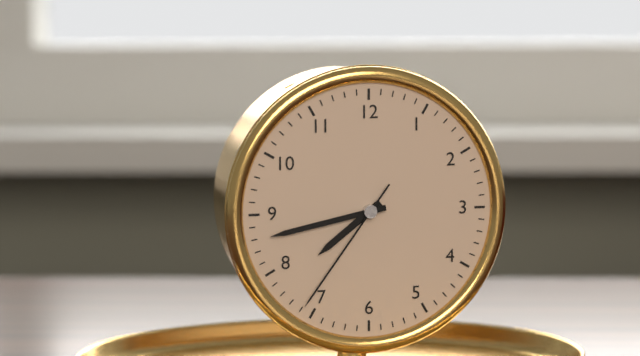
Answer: 7,43,36
